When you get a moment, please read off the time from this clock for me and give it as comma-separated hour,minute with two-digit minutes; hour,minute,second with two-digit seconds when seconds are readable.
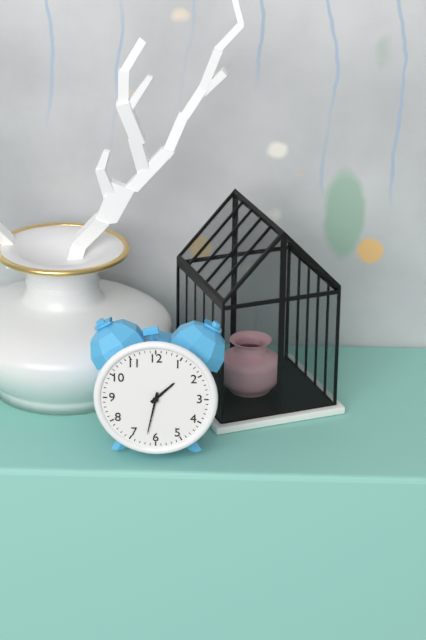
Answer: 1,32
